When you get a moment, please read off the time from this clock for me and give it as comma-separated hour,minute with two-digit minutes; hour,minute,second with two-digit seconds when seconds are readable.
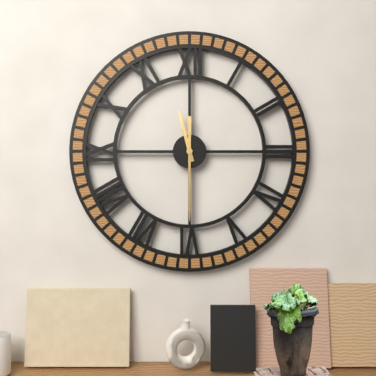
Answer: 11,30
